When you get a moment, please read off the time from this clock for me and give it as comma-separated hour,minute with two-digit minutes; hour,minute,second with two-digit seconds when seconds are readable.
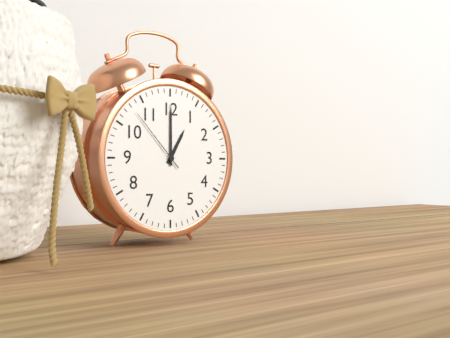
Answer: 1,00,53
